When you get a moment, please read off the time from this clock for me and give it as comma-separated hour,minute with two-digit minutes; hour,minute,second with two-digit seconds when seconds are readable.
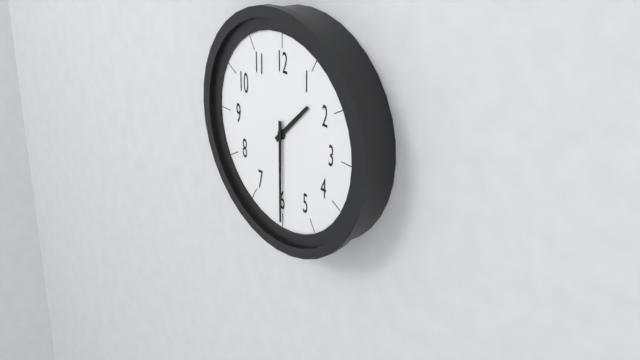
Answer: 1,30
